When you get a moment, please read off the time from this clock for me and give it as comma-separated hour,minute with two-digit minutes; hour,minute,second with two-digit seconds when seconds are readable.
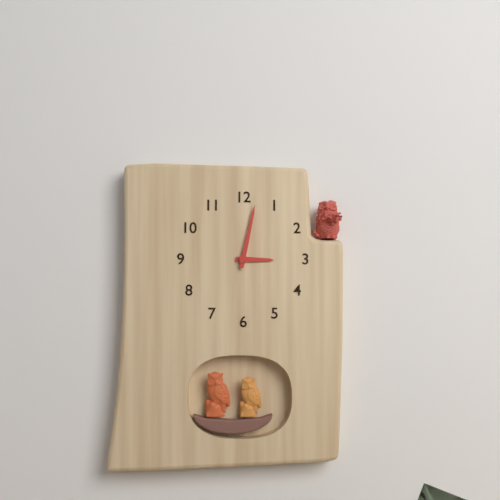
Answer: 3,02
